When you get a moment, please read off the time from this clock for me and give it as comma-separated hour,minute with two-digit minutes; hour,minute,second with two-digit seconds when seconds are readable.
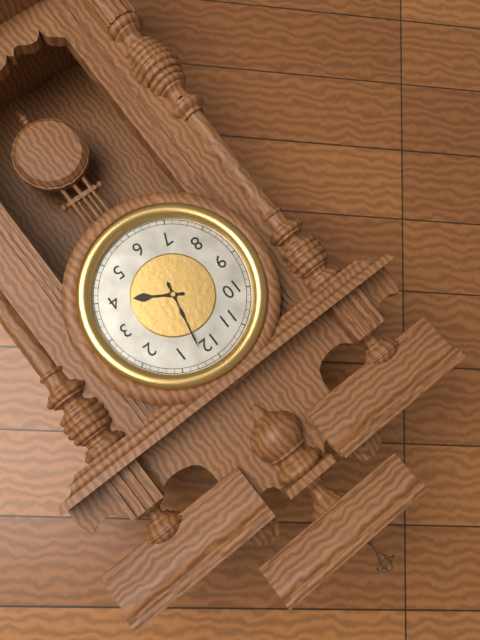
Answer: 4,02
